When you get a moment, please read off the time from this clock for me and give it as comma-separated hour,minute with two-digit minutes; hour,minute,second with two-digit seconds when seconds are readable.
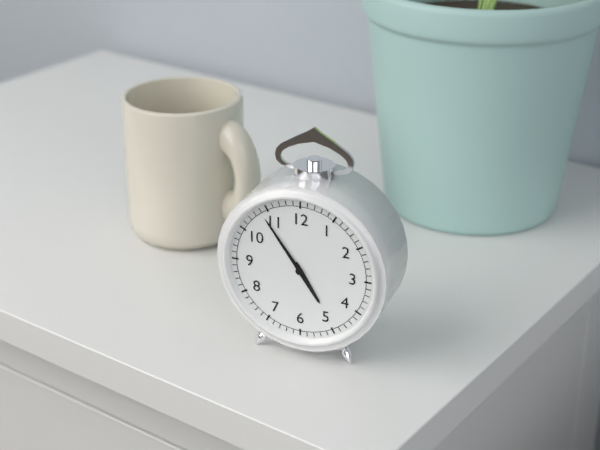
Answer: 4,54
